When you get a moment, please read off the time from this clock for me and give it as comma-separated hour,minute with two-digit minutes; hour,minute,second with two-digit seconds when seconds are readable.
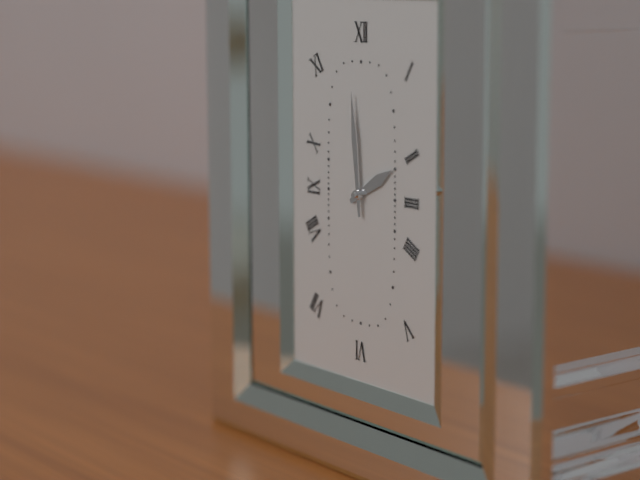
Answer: 1,59
